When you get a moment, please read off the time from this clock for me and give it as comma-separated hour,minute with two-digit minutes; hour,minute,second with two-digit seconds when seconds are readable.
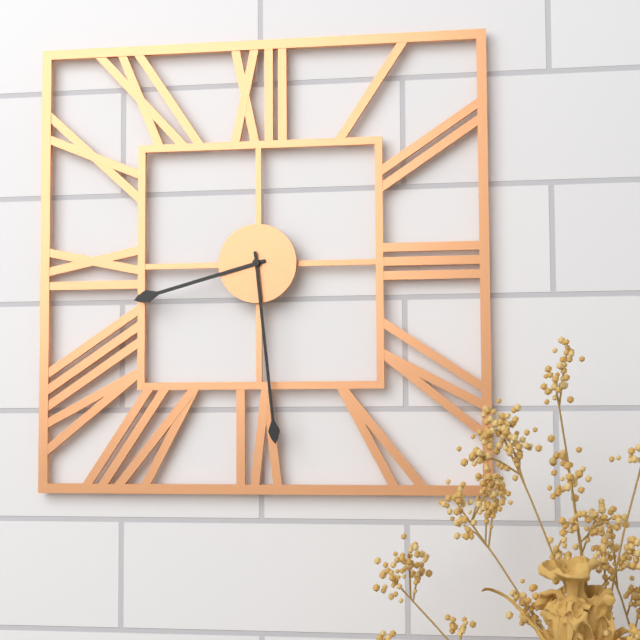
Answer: 8,29
